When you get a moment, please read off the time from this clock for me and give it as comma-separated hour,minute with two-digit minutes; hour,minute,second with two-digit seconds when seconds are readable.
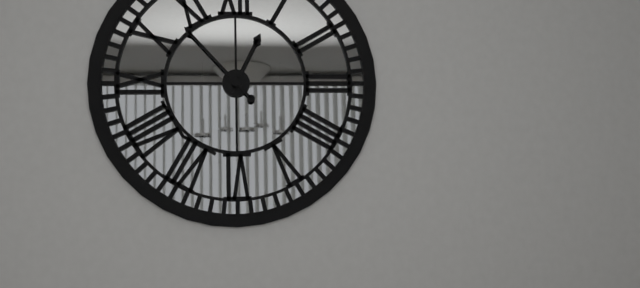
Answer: 12,53
